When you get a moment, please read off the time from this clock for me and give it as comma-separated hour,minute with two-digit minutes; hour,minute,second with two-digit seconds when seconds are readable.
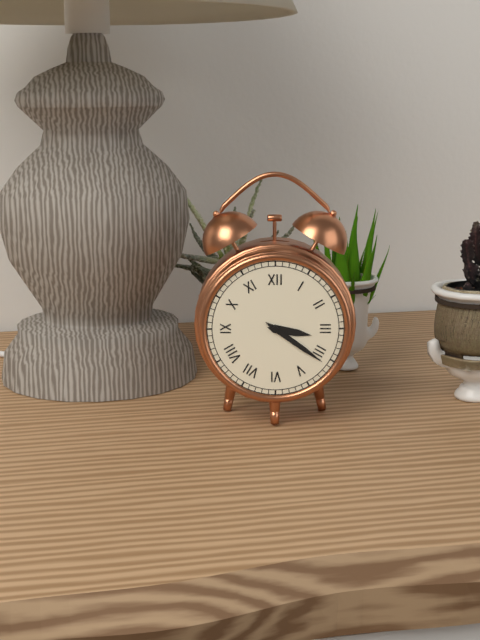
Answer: 3,21
